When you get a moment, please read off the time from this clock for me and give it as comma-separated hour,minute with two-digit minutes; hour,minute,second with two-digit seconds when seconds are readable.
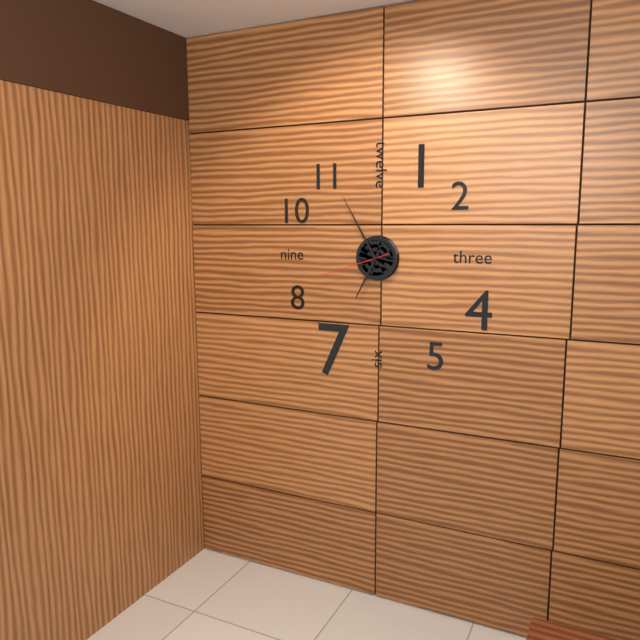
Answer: 6,55,42
